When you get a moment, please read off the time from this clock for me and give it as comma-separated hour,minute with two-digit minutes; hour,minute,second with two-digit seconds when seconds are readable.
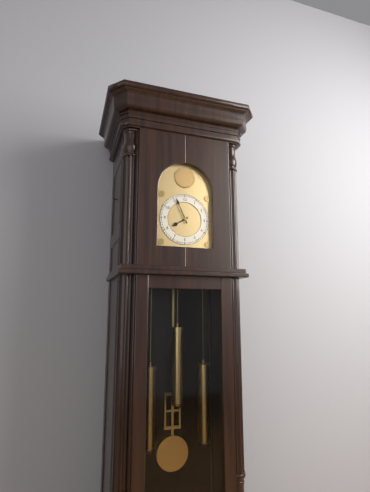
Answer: 7,56
